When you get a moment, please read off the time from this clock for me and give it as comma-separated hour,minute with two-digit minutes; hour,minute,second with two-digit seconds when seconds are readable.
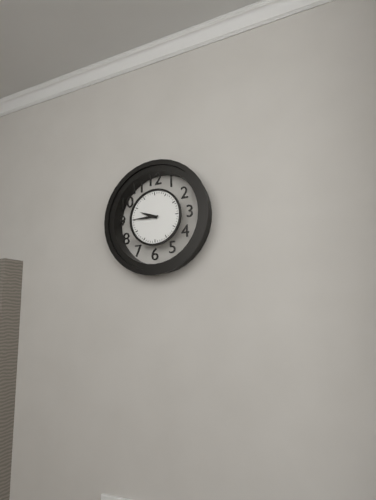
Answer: 9,45
